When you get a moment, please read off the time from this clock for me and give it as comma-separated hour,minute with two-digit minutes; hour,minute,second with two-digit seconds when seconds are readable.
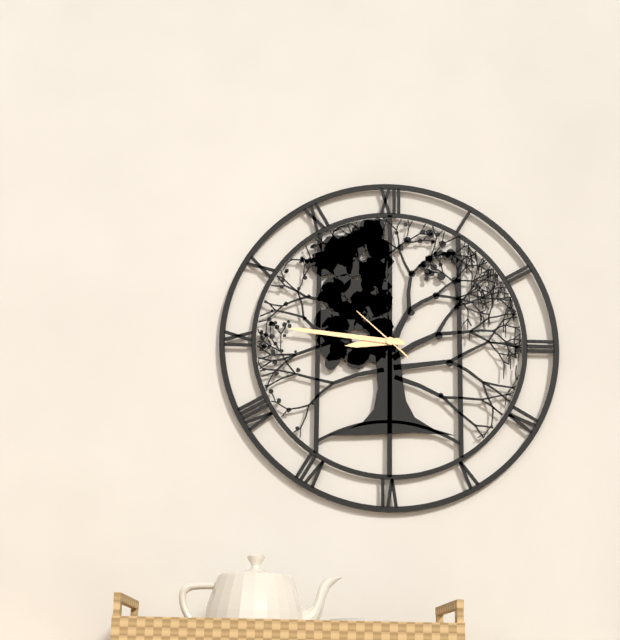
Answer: 8,46,52
